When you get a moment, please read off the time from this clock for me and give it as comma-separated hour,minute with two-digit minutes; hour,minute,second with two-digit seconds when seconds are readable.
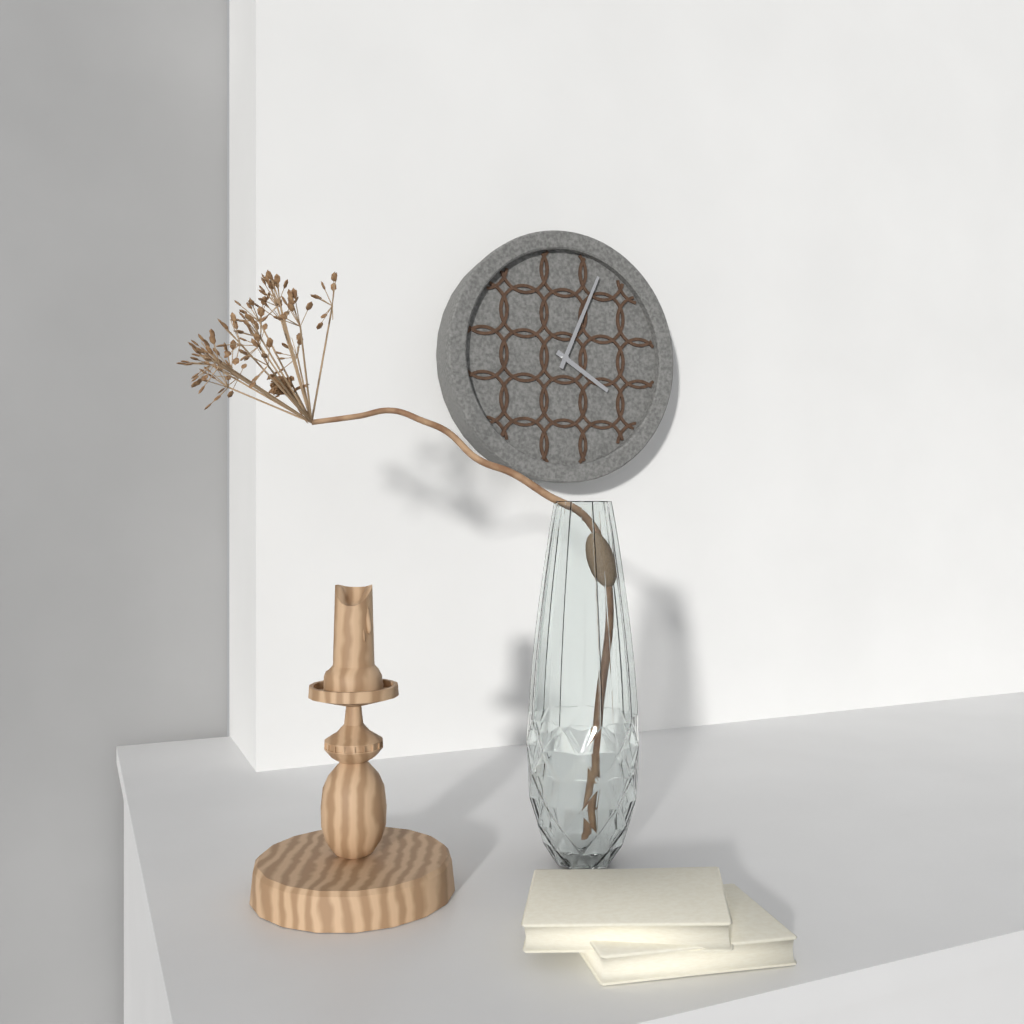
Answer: 4,04
